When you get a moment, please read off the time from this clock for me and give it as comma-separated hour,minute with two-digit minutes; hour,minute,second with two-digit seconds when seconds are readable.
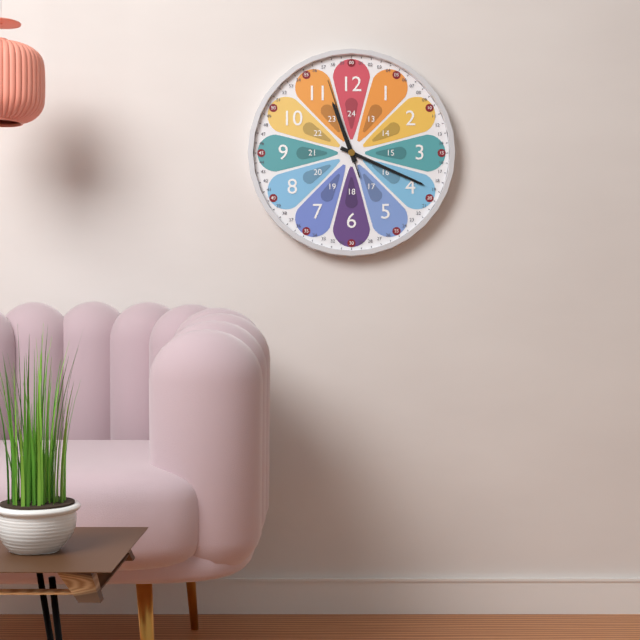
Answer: 11,19,57
